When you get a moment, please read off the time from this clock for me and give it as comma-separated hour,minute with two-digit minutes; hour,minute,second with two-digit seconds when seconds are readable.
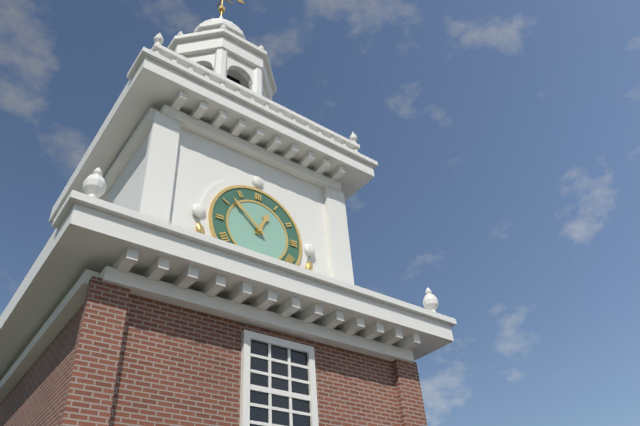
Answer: 12,52
